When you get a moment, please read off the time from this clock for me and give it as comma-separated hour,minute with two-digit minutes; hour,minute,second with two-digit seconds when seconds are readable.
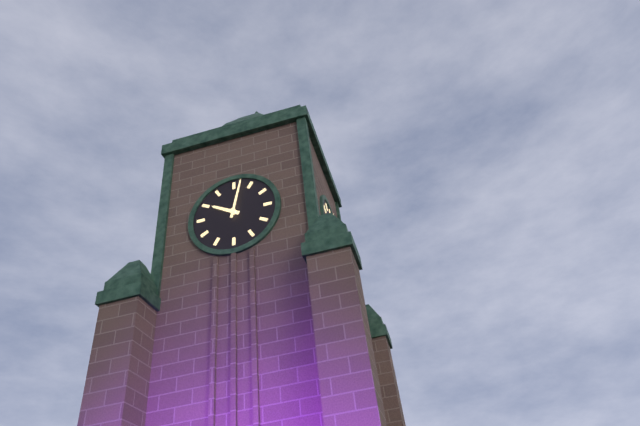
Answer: 10,02
